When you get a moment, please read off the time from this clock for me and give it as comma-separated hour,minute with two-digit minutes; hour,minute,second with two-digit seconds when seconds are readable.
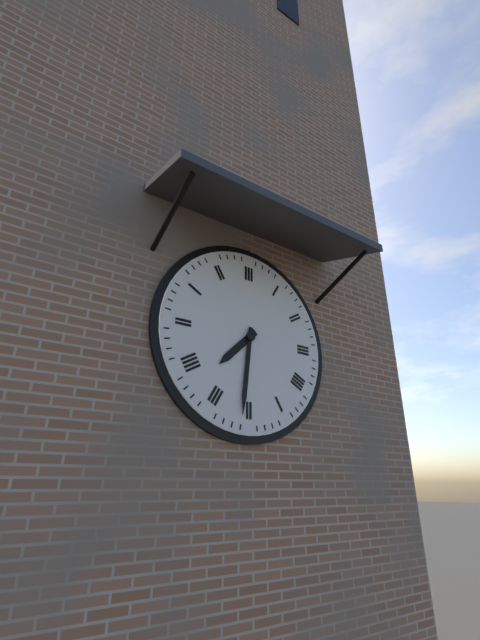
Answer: 7,31
